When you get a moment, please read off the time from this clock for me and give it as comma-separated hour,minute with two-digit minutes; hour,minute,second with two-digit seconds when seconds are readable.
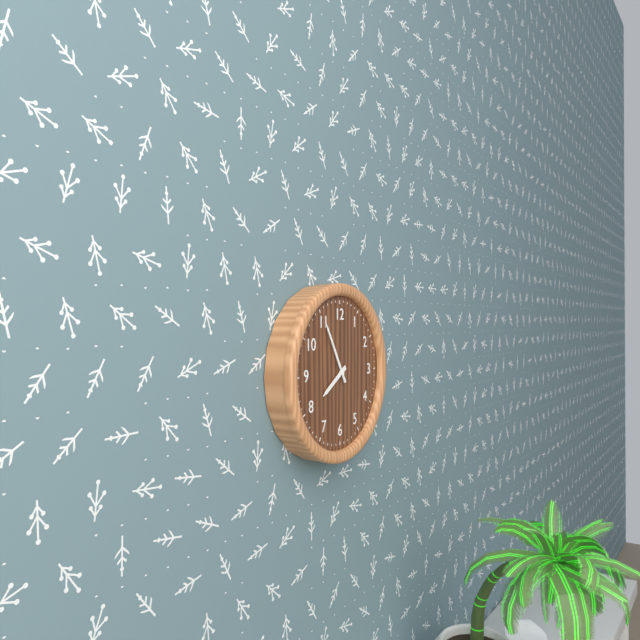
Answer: 7,55
